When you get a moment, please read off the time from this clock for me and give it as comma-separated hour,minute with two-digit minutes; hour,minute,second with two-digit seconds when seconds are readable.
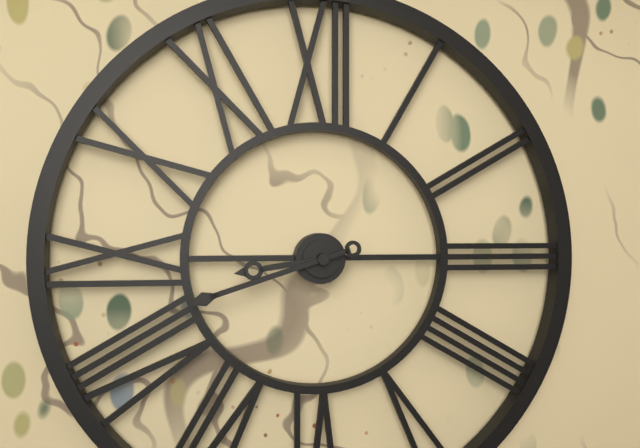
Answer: 8,42
